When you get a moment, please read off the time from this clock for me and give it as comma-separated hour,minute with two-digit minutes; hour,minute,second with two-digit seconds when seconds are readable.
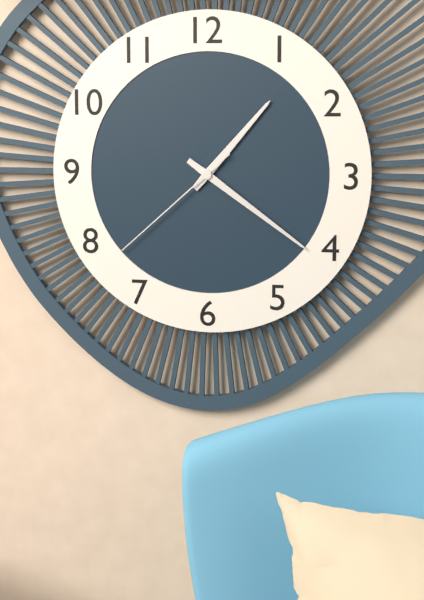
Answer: 1,21,38
